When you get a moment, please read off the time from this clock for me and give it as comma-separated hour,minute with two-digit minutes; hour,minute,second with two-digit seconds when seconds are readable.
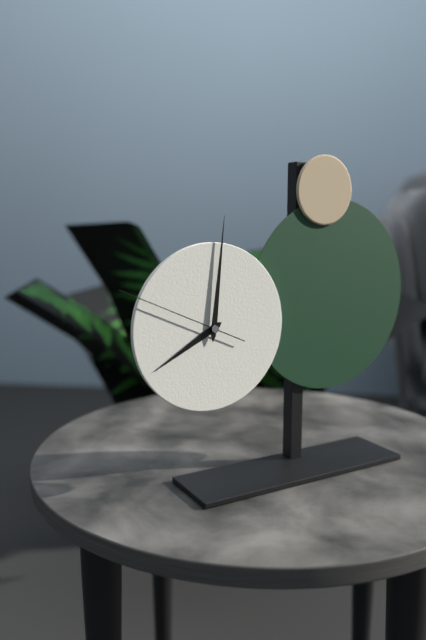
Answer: 8,01,49
